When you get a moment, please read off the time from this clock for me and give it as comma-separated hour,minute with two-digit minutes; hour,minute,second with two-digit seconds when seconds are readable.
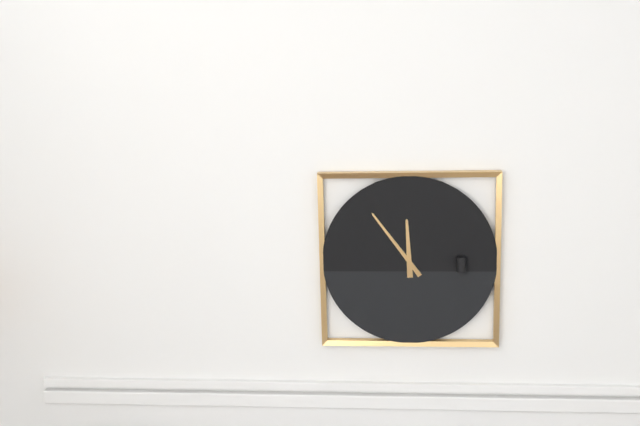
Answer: 11,54
